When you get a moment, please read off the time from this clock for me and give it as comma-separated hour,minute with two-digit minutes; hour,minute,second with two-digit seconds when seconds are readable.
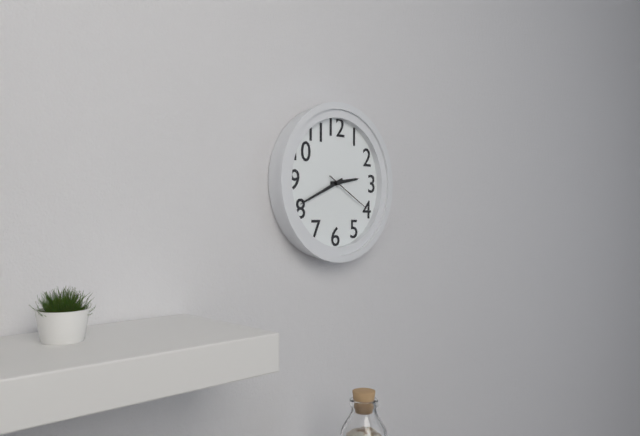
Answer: 2,41
